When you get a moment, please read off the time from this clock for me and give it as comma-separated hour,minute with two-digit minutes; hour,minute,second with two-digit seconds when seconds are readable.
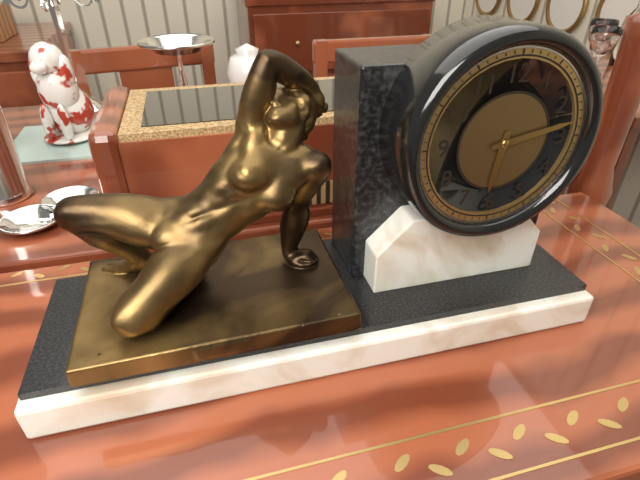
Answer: 6,13
